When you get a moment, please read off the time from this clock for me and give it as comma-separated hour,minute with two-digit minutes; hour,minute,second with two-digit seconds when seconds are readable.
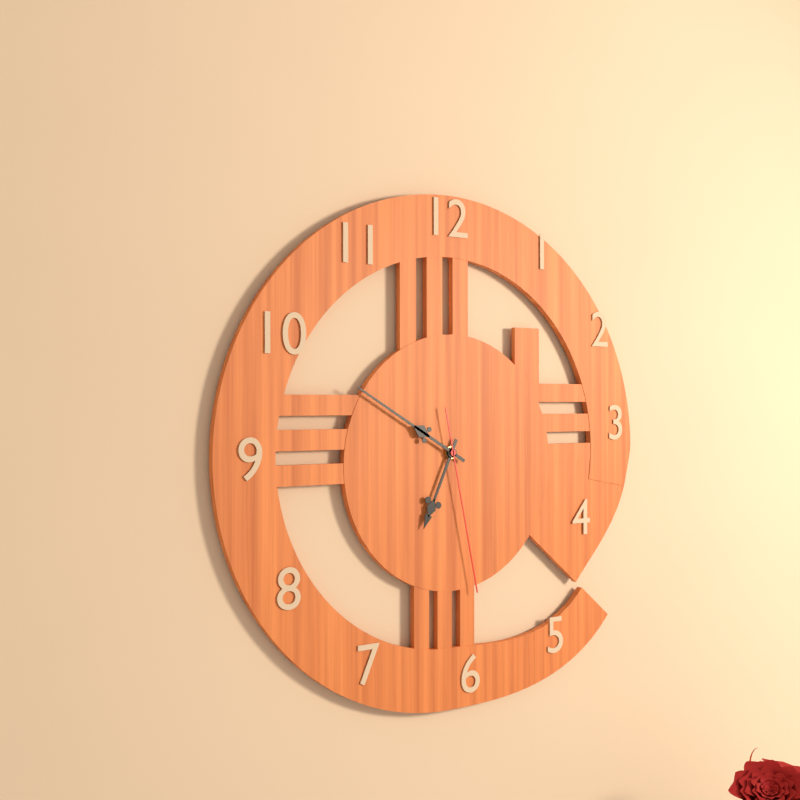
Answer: 6,50,28
